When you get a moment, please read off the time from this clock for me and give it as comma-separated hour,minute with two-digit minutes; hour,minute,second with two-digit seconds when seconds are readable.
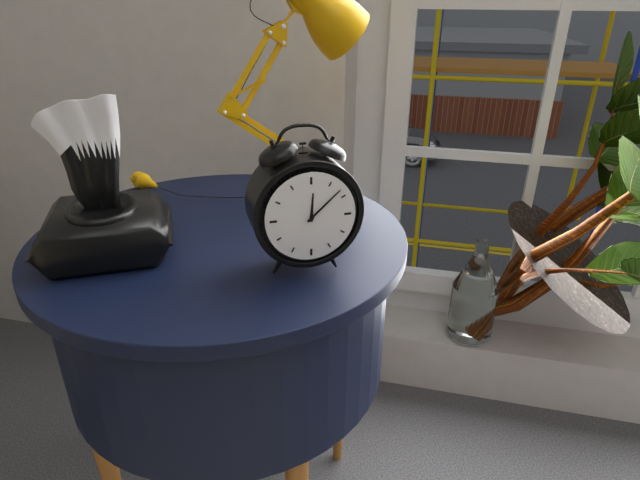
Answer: 12,08
